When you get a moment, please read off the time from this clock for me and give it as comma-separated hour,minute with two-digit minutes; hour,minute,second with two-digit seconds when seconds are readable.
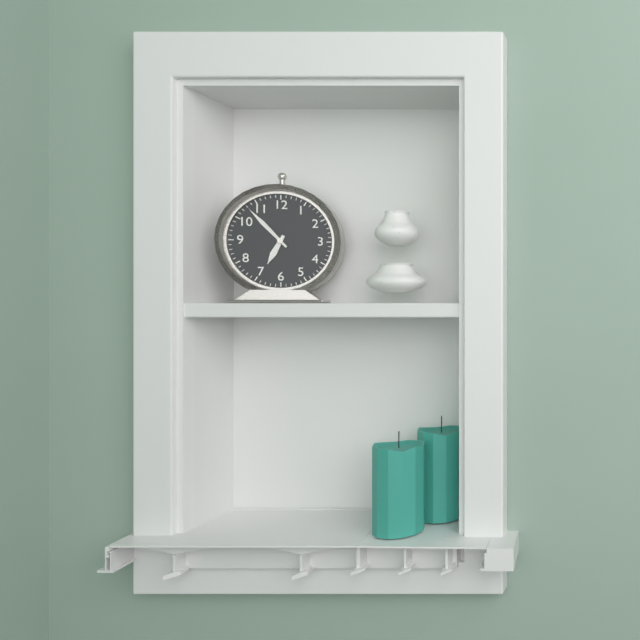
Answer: 6,53
